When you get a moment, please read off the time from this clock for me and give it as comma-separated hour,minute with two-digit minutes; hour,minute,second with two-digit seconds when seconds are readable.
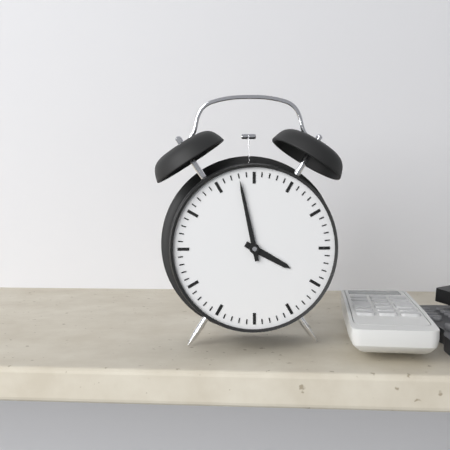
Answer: 3,58
